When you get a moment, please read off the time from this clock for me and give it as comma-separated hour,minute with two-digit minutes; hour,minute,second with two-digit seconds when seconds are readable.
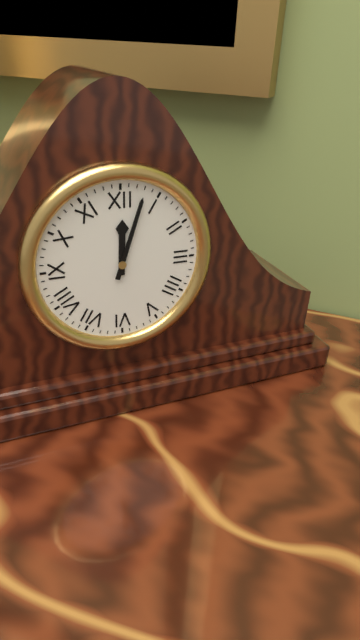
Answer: 12,03
